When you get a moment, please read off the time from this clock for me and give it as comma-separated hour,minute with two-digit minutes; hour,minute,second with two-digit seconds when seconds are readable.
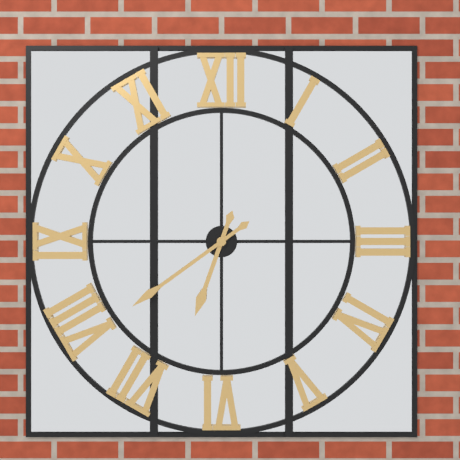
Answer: 6,39
